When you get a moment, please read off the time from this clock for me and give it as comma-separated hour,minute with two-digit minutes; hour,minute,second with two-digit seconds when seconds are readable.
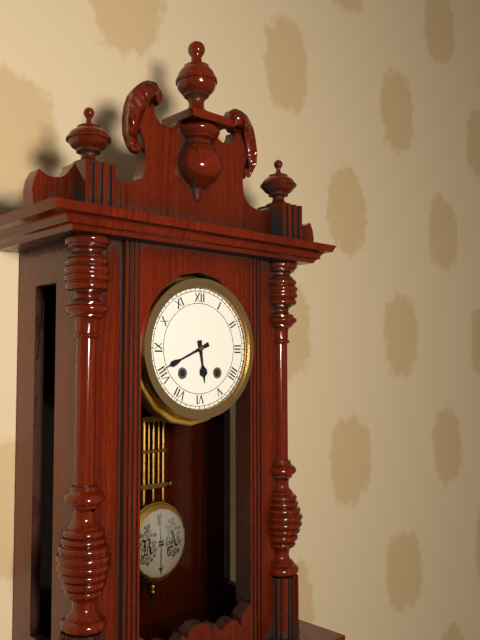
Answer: 5,41
